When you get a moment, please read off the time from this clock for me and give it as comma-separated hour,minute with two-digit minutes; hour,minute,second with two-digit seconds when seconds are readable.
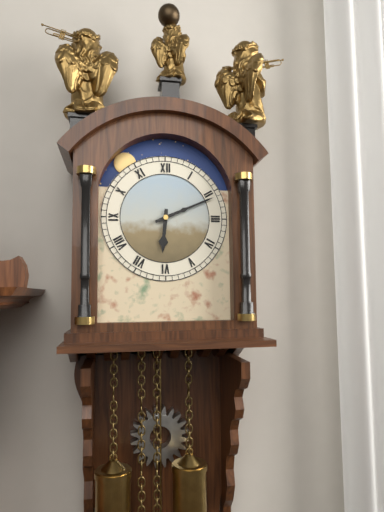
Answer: 6,11
